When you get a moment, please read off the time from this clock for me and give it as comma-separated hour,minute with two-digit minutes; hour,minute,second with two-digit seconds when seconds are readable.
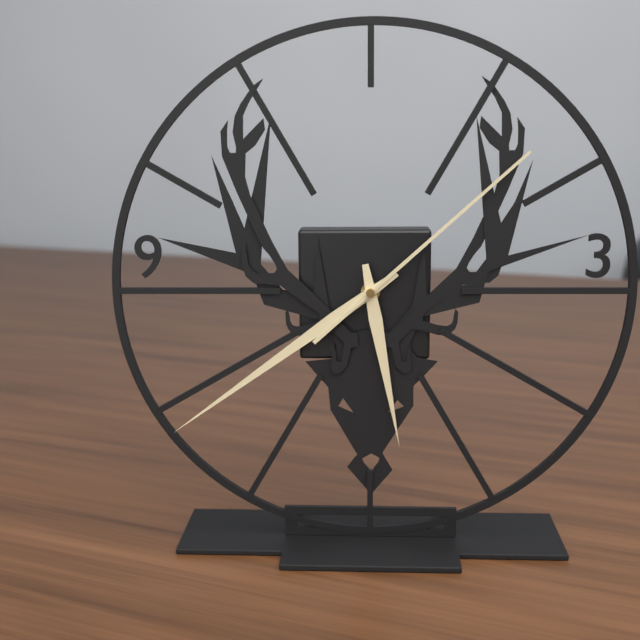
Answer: 5,39,08
